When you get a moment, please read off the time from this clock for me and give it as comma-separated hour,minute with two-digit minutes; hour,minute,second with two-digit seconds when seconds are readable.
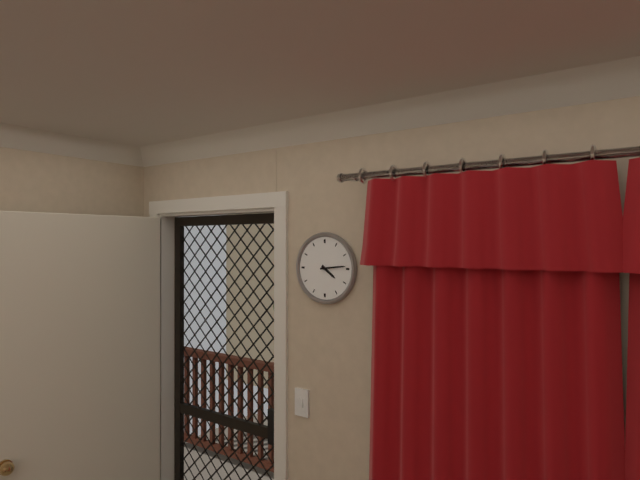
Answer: 4,14
